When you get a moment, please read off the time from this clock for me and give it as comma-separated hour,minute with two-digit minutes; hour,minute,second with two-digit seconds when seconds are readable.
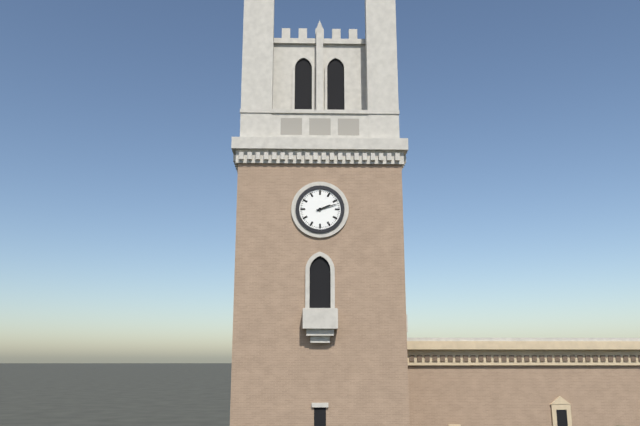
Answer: 2,12
